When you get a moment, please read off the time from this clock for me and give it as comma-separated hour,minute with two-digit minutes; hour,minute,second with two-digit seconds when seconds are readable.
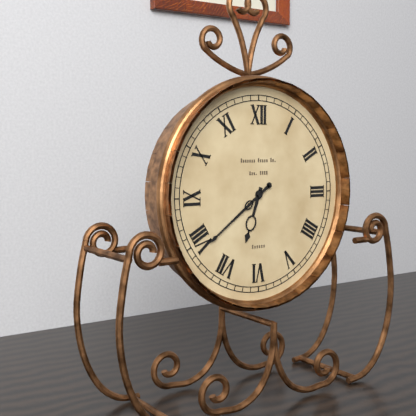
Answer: 6,39
